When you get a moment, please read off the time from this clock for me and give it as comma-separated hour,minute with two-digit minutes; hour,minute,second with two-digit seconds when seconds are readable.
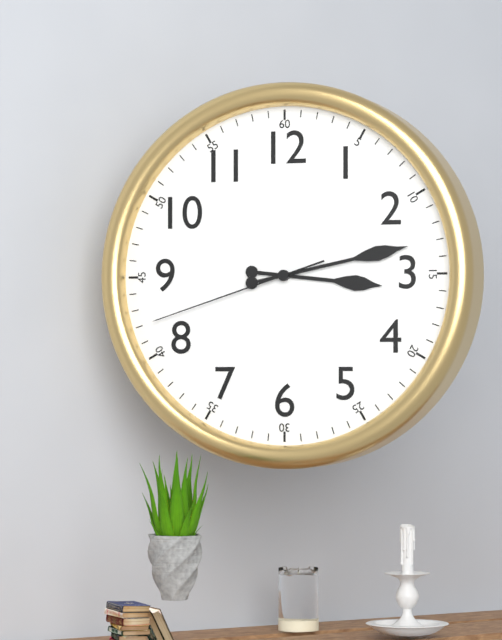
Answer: 3,13,42
